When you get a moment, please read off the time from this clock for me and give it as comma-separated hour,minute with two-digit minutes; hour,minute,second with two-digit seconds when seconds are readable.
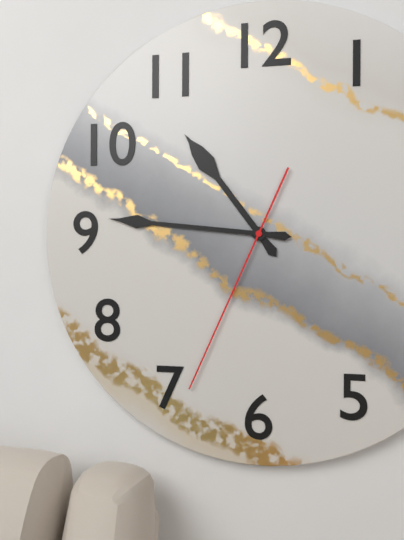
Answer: 10,46,34
